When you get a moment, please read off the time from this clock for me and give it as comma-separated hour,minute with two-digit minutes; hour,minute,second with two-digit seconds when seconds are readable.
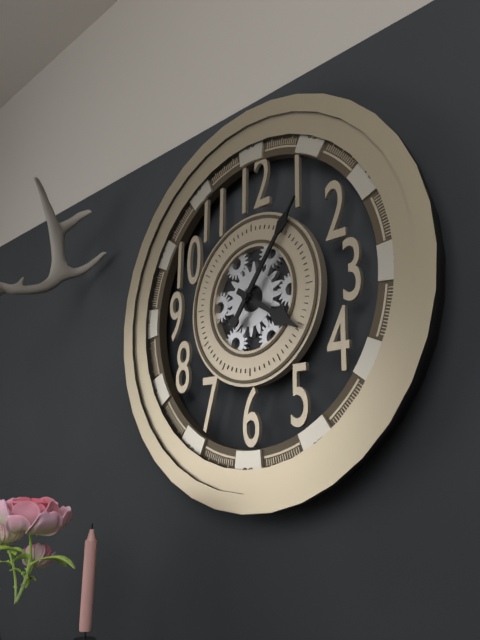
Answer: 4,06
